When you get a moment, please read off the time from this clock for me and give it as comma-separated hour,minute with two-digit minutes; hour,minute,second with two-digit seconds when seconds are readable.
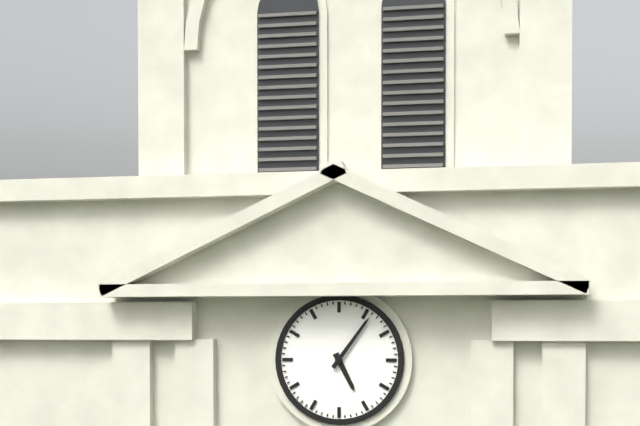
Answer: 5,06
